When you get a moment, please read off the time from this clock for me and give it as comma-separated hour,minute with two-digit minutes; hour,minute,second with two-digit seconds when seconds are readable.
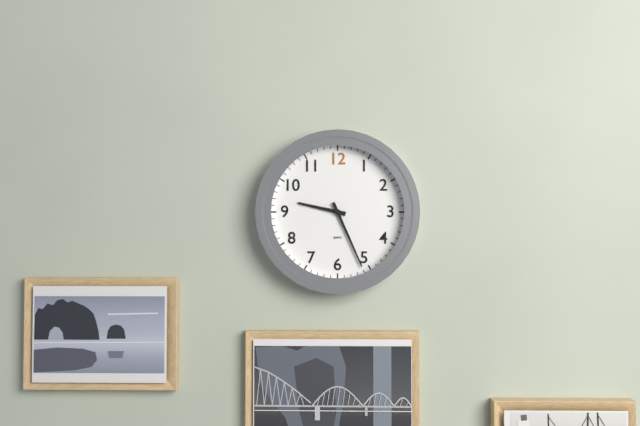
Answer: 9,26
